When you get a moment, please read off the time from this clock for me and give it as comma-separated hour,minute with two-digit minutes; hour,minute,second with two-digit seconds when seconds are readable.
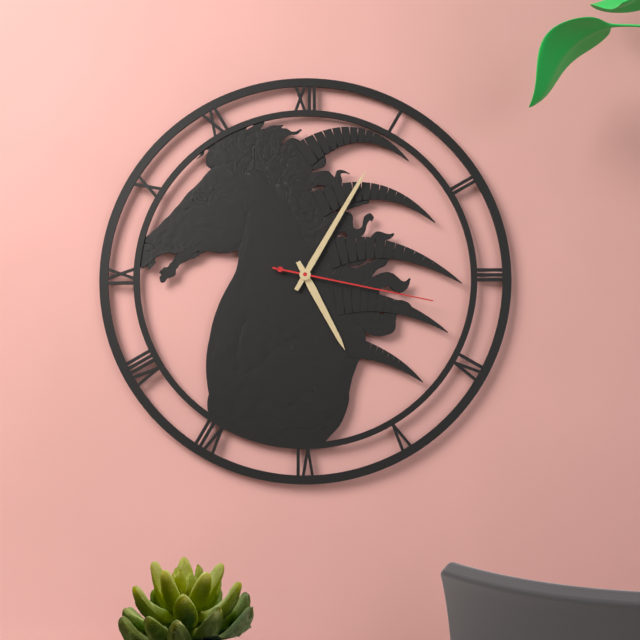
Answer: 5,05,17
